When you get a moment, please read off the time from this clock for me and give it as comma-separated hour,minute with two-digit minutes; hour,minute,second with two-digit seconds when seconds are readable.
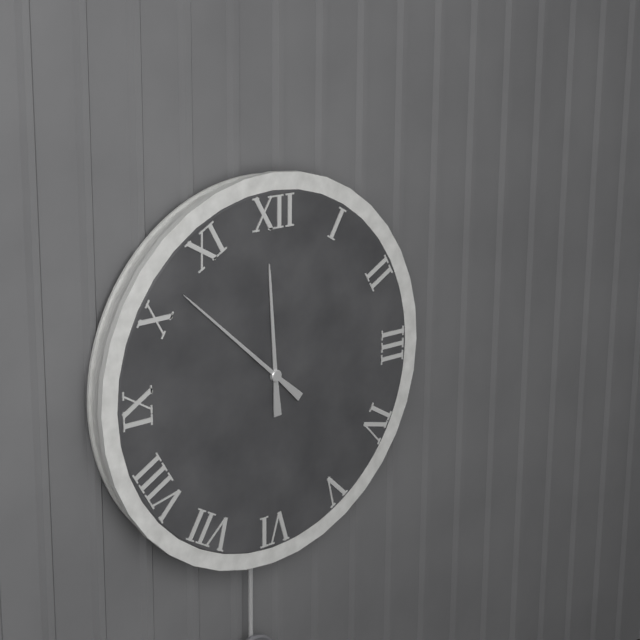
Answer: 11,52
